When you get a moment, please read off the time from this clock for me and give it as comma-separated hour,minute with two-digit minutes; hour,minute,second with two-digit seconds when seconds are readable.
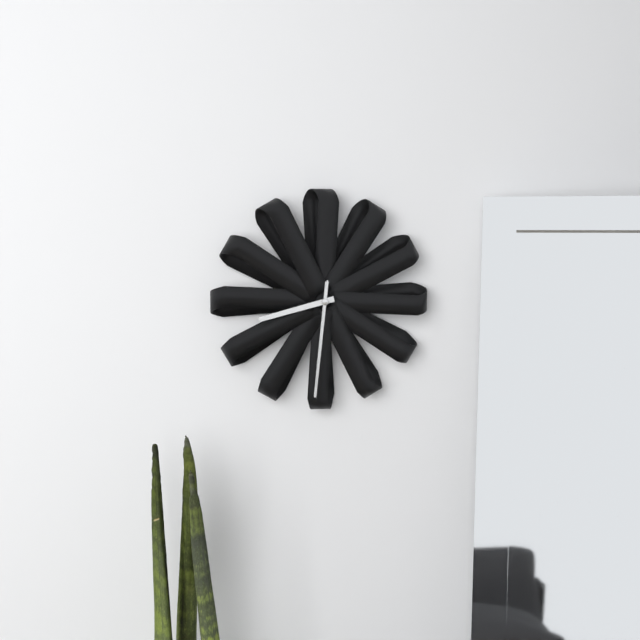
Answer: 8,31,31
